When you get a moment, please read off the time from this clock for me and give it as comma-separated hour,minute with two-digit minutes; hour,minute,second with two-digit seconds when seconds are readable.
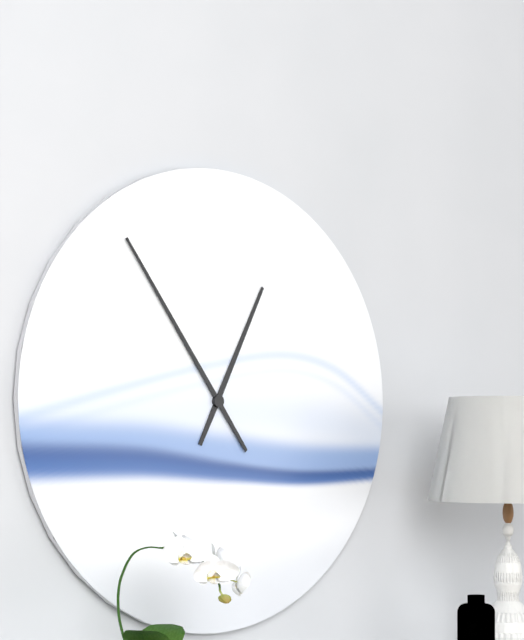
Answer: 12,54
